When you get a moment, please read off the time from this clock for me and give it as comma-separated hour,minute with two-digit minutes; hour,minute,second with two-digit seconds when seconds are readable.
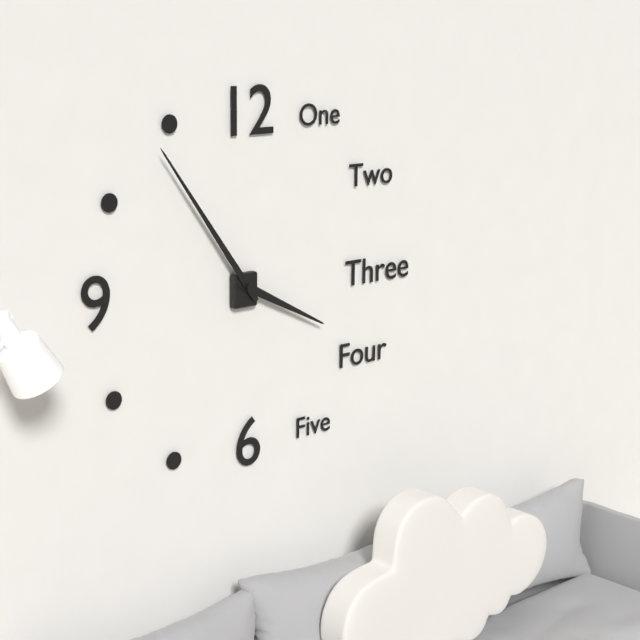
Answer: 3,54
